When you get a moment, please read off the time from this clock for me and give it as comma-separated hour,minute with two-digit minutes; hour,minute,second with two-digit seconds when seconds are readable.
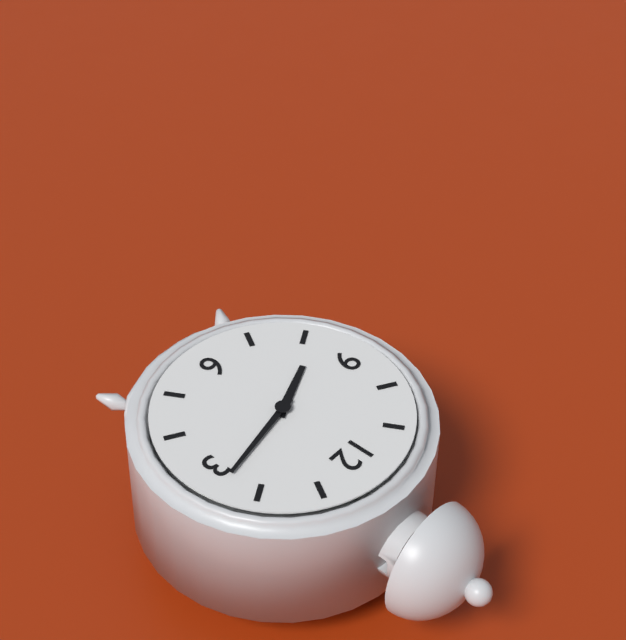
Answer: 8,13
